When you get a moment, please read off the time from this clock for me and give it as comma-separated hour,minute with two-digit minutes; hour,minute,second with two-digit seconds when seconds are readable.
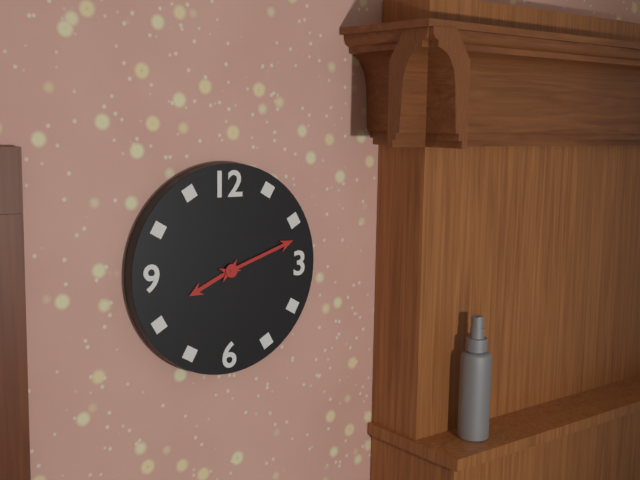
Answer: 8,12
